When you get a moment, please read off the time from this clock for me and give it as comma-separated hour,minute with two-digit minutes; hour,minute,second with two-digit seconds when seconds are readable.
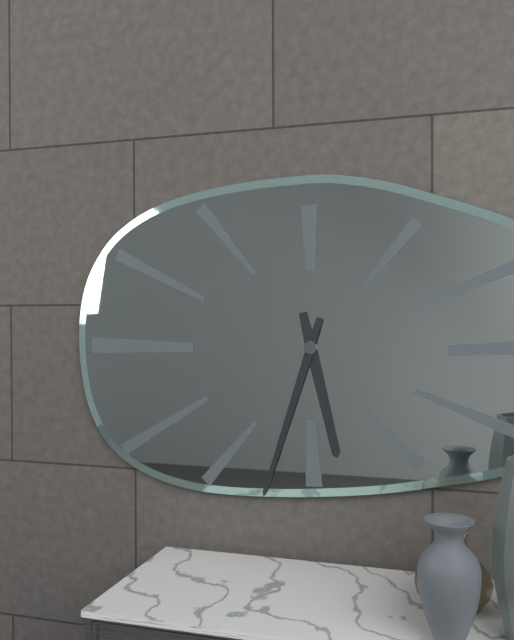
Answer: 5,33
